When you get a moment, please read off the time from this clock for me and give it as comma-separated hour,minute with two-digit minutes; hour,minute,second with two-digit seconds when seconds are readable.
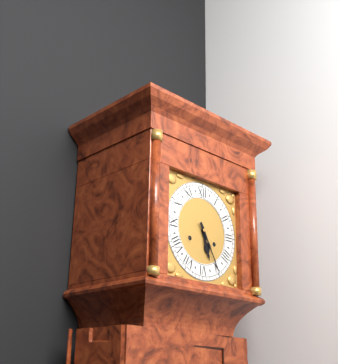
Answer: 5,25
